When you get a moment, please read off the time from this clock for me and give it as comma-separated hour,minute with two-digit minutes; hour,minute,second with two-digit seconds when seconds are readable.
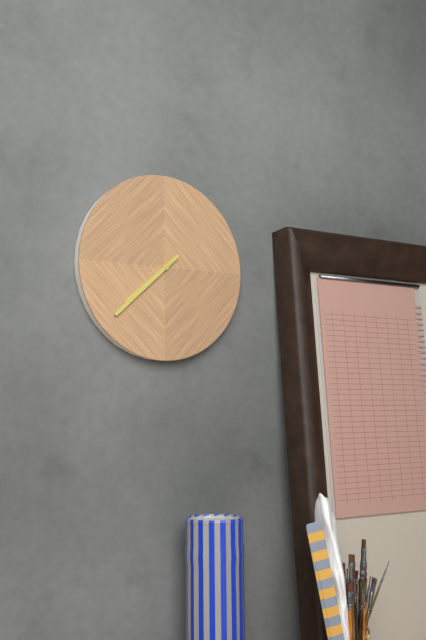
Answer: 7,38
